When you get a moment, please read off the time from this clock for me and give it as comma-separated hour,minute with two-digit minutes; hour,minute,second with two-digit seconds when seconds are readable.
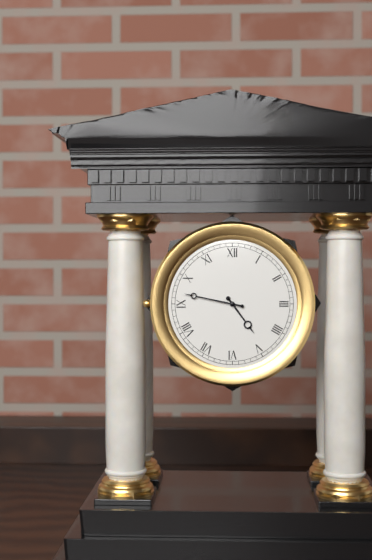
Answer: 4,47
